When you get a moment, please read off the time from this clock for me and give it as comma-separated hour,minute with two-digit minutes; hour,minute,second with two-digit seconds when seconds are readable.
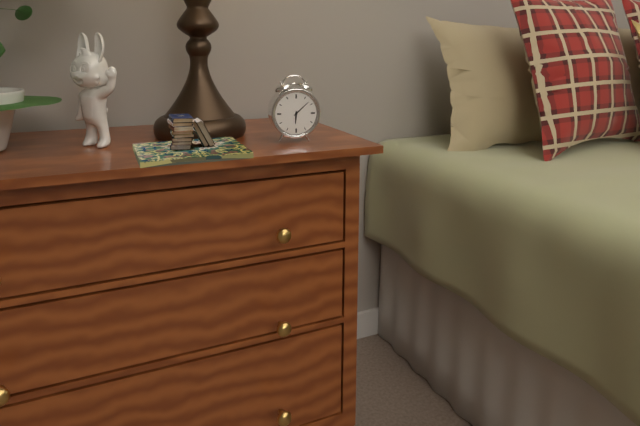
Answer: 6,08
